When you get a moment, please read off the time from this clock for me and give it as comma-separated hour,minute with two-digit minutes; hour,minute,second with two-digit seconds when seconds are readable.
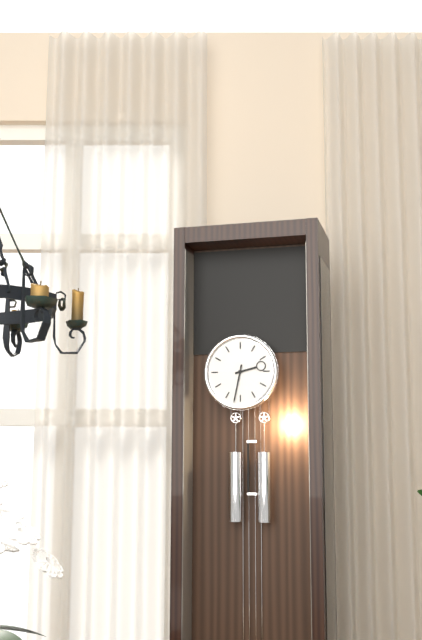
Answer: 2,32
